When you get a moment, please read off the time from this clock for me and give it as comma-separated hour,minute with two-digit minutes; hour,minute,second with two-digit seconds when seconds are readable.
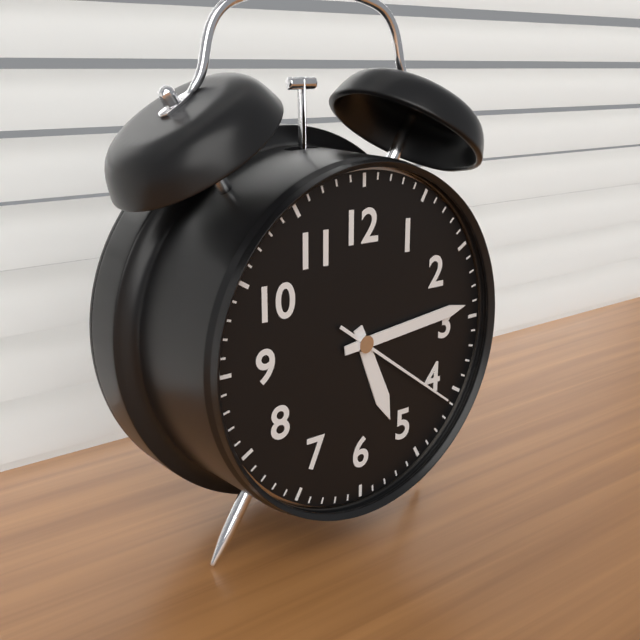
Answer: 5,14,21
